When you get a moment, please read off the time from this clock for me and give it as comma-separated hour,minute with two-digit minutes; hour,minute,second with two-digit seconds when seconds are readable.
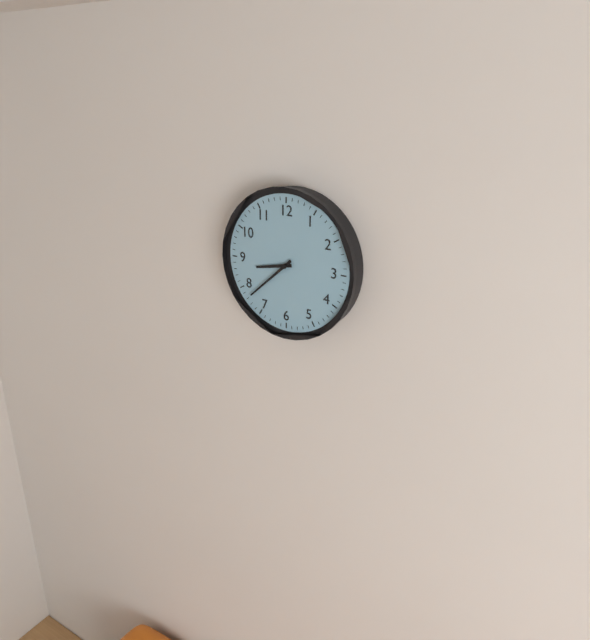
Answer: 8,38
